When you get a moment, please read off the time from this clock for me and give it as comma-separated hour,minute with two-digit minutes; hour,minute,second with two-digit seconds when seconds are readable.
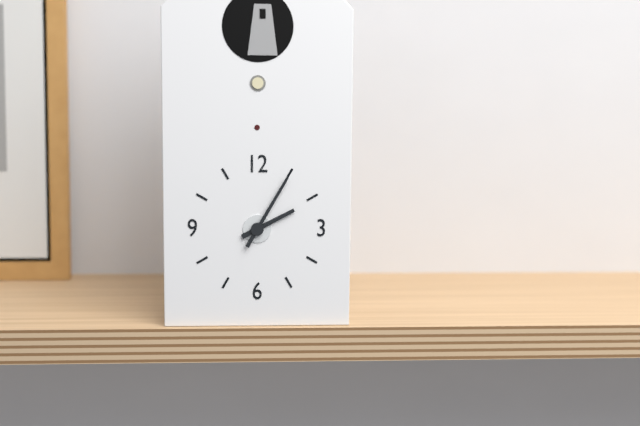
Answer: 2,05
